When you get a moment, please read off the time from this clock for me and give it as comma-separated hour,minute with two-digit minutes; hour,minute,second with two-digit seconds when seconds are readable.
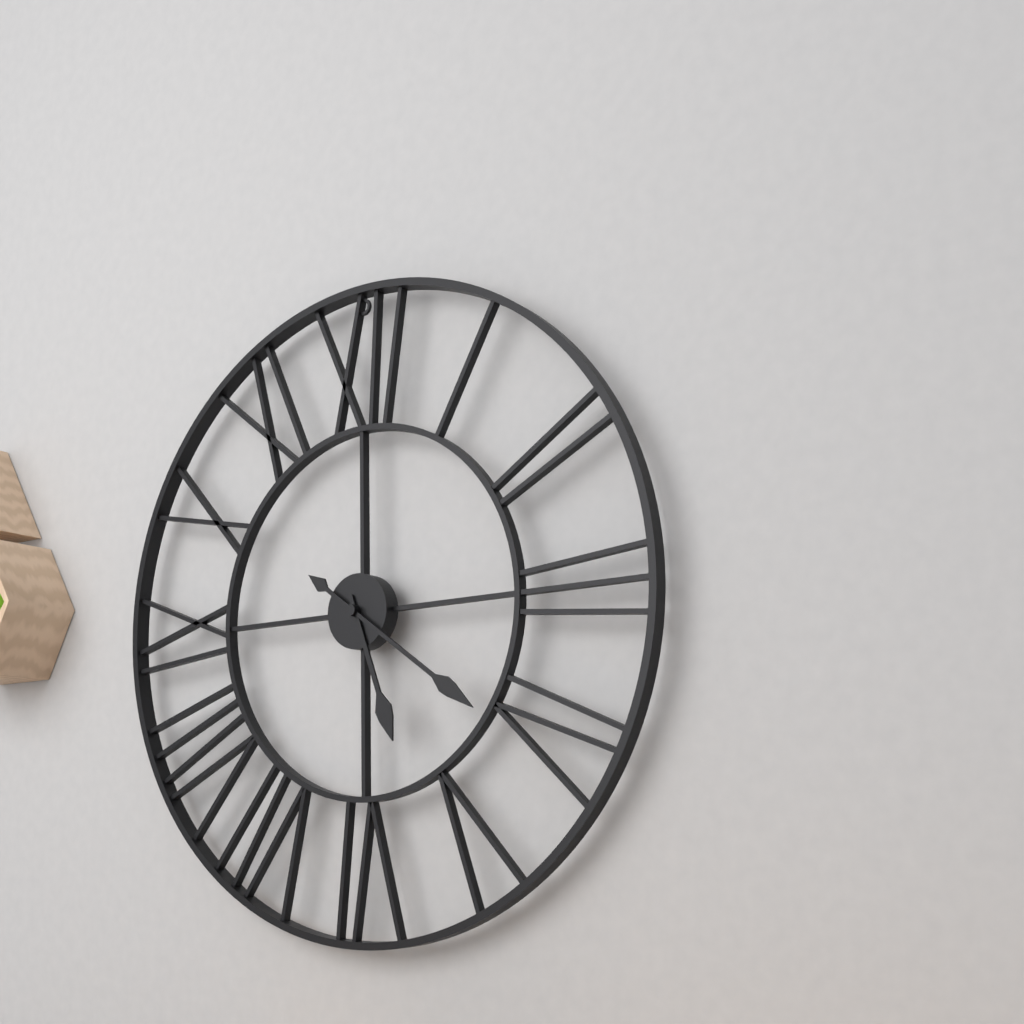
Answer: 5,21
